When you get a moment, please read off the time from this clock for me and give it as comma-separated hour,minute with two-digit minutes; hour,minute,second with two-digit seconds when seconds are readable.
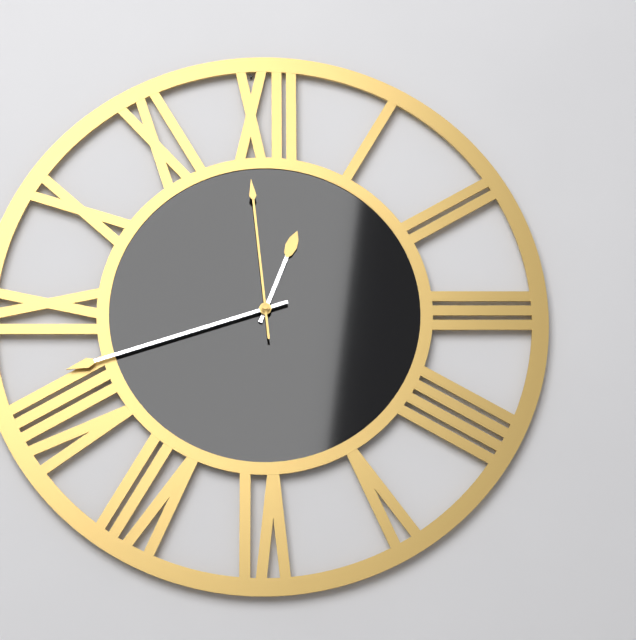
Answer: 12,42,59
